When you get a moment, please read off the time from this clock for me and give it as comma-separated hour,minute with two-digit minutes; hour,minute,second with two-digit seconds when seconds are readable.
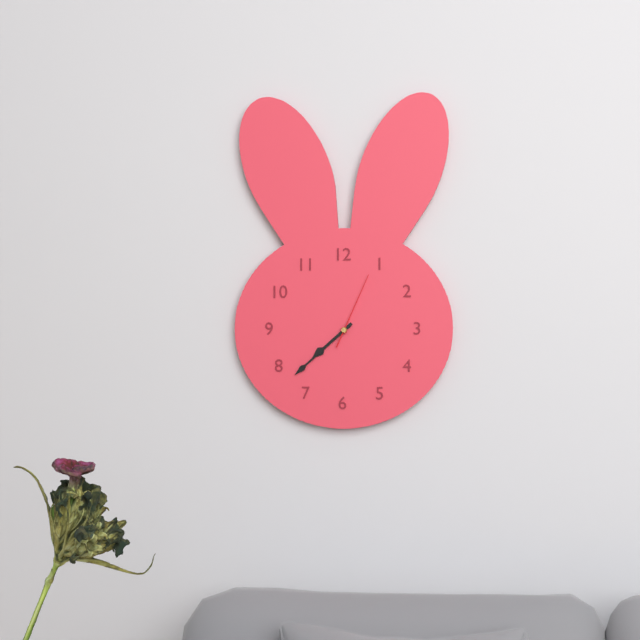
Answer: 7,38,04
